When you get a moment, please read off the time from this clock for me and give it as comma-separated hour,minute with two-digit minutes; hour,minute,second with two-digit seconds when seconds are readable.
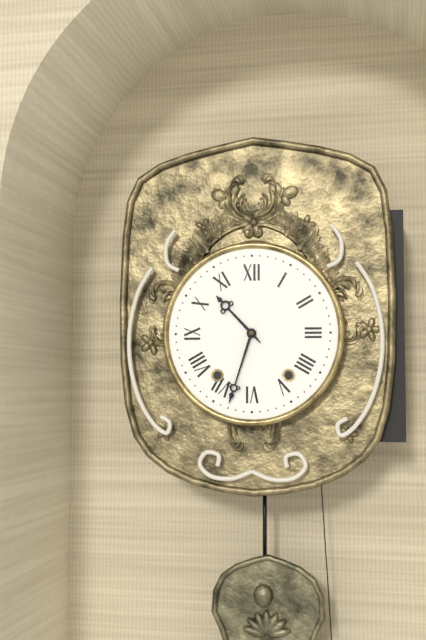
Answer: 10,33
